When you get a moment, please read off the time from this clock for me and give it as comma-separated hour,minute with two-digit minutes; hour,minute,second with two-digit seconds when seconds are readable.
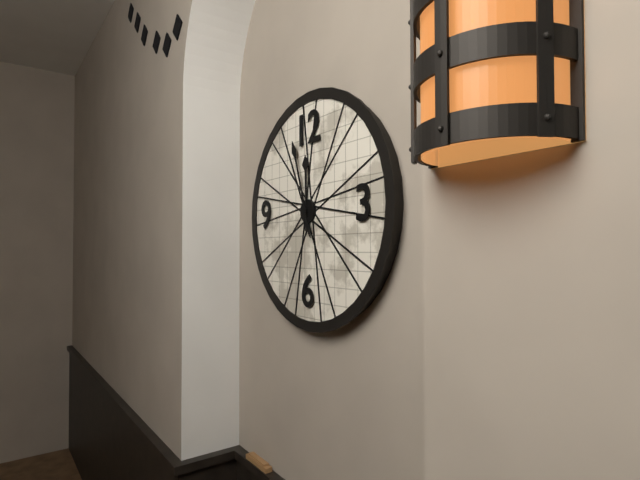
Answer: 11,57
